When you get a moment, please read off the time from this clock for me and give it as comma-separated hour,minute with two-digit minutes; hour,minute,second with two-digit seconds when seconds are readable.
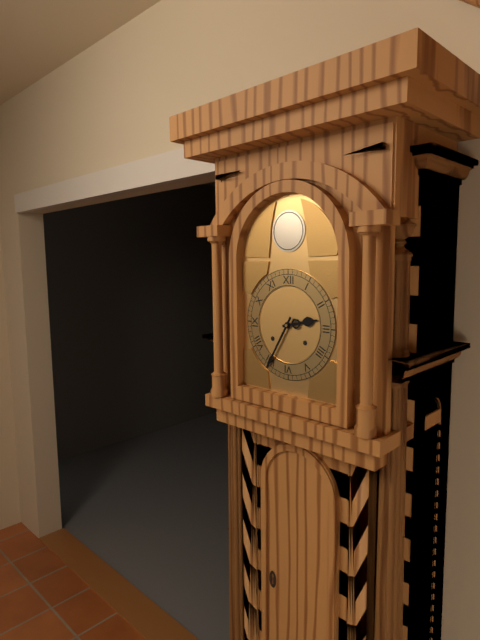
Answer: 2,35
